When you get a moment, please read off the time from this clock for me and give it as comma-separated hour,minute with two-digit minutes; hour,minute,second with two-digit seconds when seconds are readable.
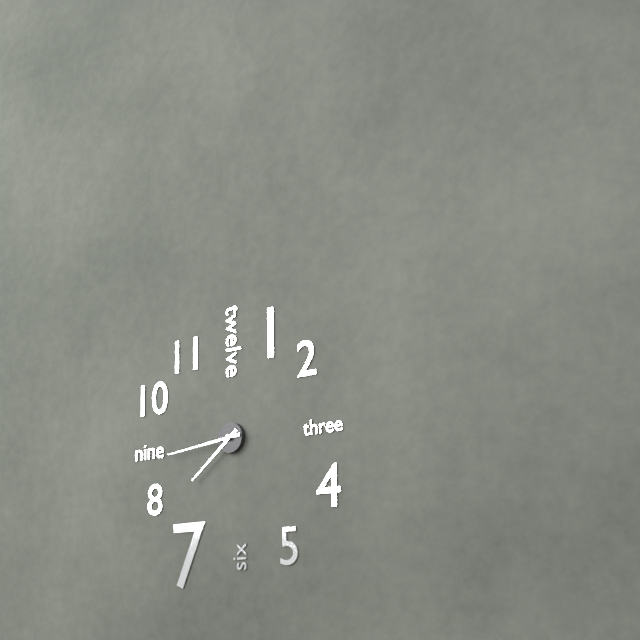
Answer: 7,44
